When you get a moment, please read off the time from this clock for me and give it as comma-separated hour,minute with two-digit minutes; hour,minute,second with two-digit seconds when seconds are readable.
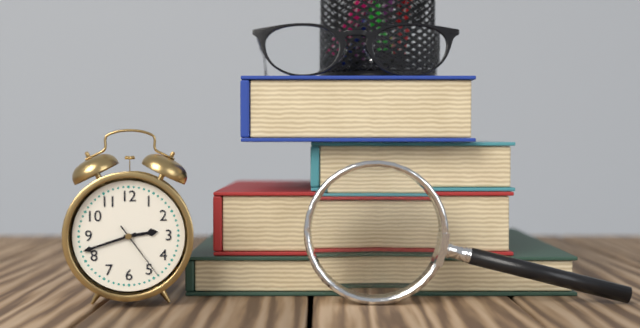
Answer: 2,42,24
